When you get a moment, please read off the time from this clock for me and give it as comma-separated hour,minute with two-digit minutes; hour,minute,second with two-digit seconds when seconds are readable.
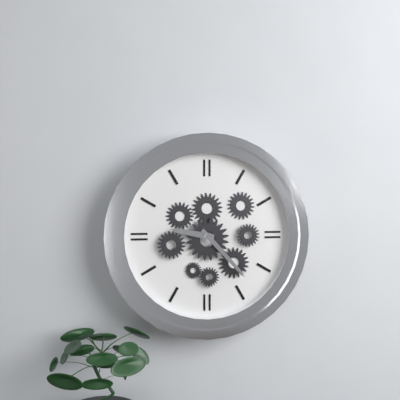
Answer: 9,23
